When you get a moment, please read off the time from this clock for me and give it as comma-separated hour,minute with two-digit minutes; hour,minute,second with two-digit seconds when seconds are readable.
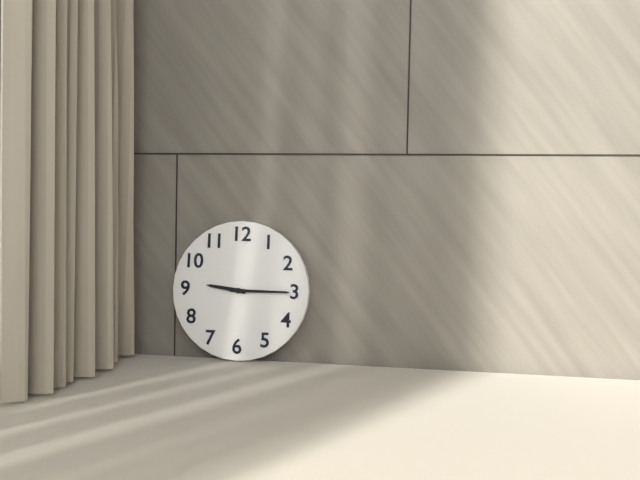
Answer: 9,15
